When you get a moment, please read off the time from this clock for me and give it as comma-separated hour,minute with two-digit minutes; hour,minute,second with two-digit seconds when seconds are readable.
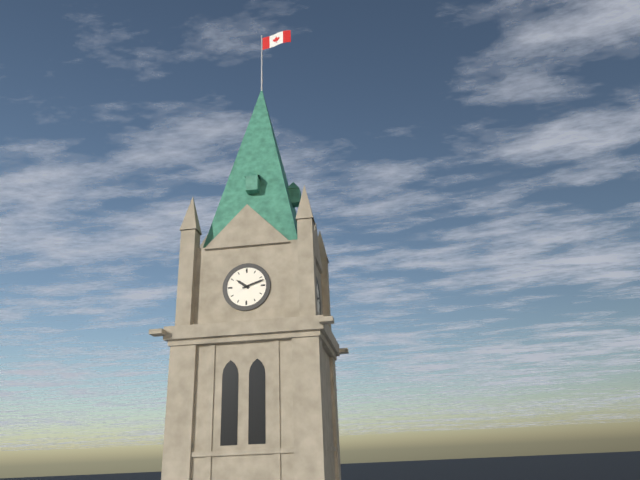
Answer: 10,12
